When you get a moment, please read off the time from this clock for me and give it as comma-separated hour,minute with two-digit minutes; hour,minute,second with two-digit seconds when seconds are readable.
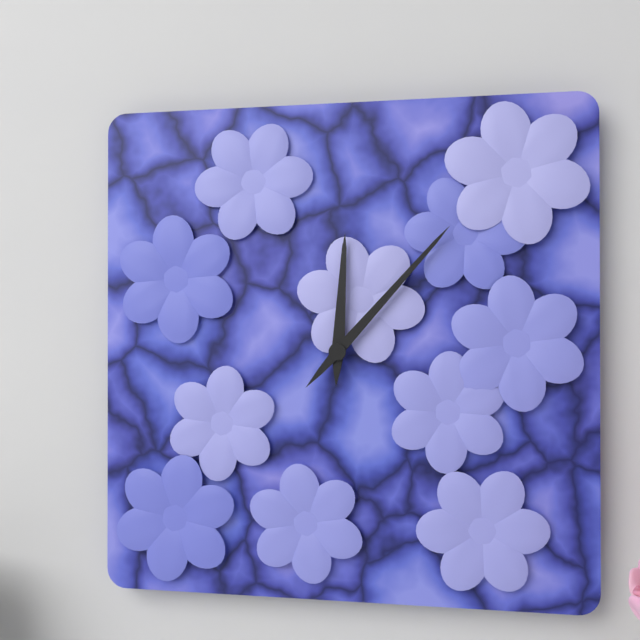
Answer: 12,07
